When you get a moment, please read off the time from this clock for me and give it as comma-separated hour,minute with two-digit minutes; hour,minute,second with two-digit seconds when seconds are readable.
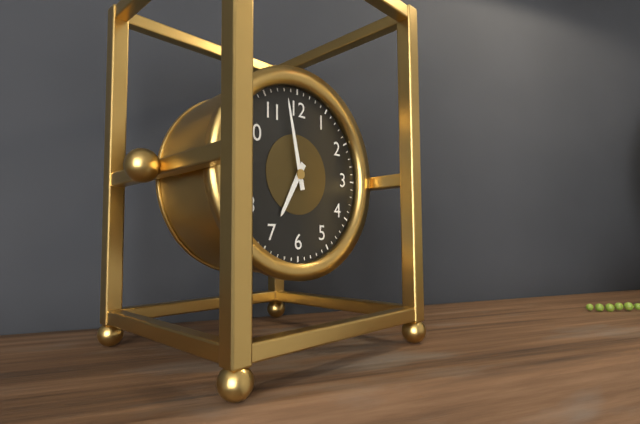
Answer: 6,58
